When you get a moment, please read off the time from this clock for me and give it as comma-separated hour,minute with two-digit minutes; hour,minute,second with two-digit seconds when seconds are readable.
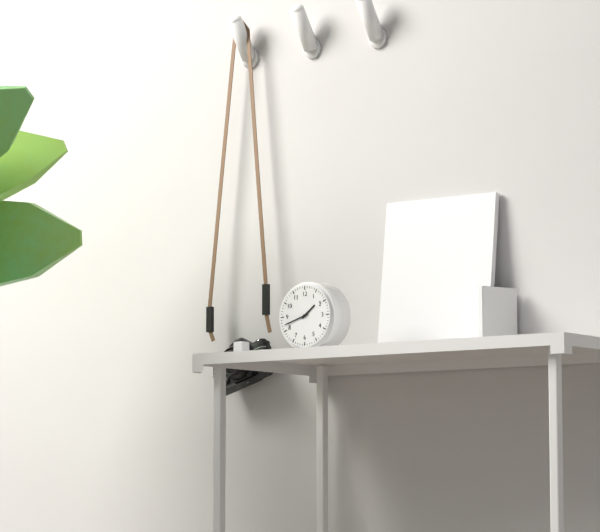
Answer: 1,42
